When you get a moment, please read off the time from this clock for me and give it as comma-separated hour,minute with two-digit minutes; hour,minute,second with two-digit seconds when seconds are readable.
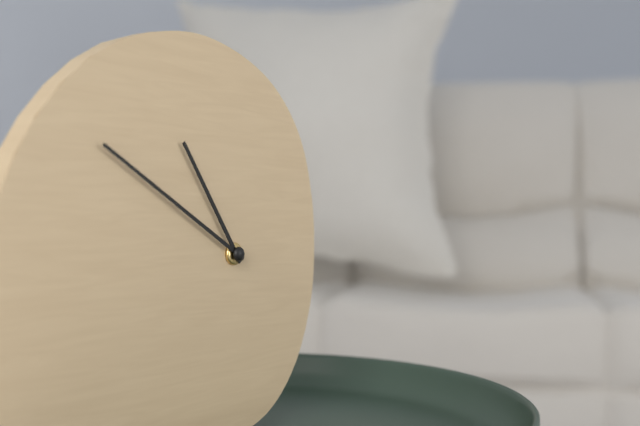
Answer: 10,50
